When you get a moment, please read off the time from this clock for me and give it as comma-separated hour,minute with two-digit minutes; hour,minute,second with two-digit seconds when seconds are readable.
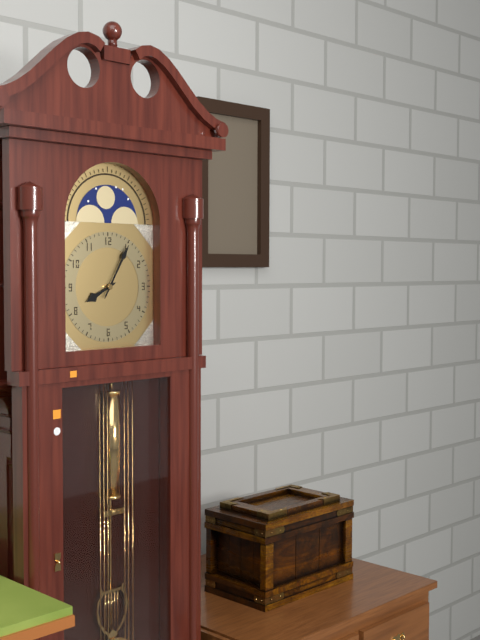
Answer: 8,05
